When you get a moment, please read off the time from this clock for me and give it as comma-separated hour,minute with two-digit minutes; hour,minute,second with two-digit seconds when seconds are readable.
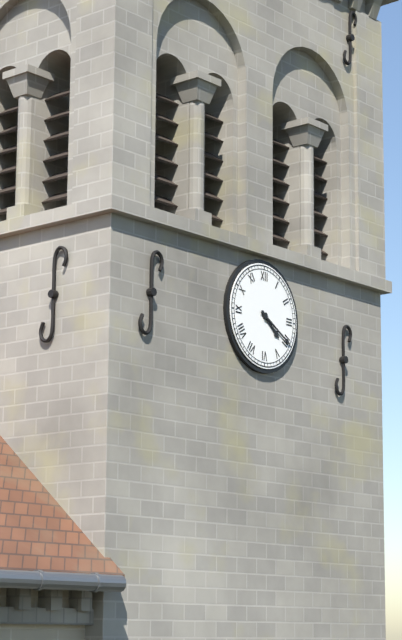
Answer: 4,20
